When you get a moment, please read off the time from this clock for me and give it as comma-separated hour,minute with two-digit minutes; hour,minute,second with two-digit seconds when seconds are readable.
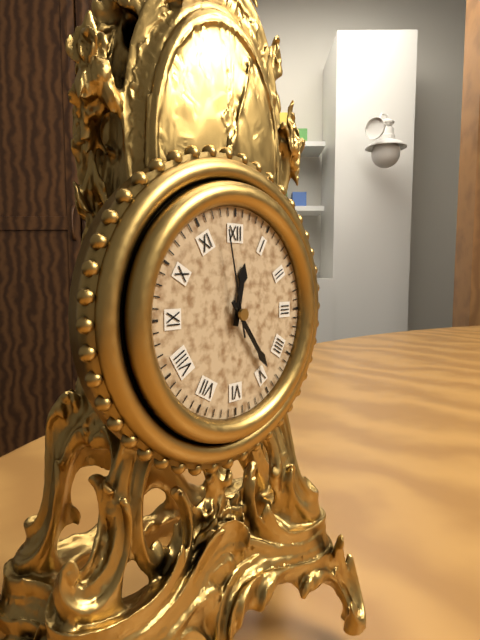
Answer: 12,24,58
